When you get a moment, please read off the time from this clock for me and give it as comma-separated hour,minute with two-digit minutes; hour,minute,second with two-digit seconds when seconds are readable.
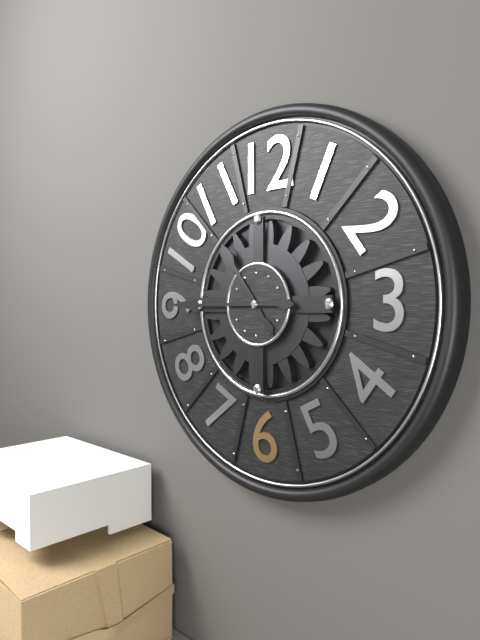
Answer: 10,45
